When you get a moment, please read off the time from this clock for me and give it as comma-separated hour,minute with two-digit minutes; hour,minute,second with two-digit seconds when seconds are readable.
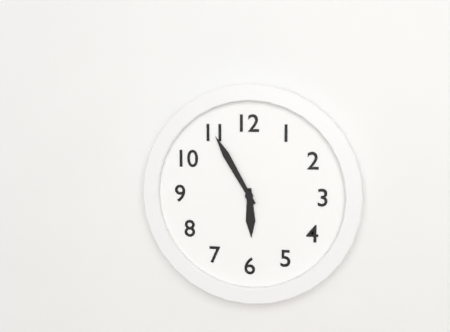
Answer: 5,55
